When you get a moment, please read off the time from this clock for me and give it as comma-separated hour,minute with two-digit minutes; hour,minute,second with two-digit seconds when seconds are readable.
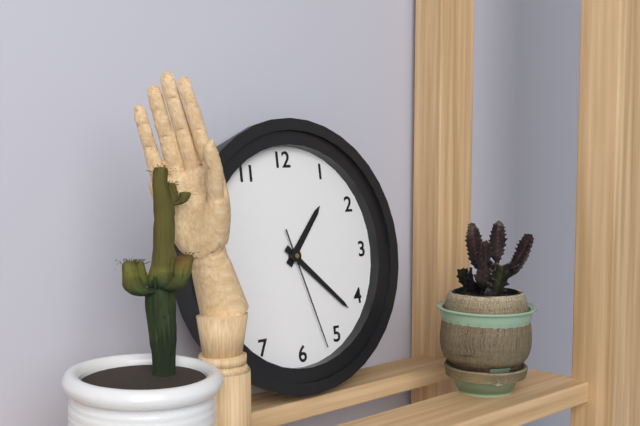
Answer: 1,22,27
